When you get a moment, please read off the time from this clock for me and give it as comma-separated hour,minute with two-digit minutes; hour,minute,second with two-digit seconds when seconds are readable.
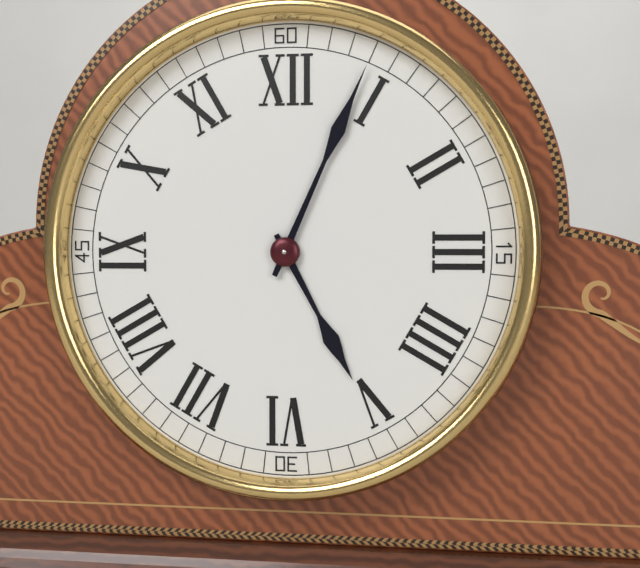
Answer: 5,04
